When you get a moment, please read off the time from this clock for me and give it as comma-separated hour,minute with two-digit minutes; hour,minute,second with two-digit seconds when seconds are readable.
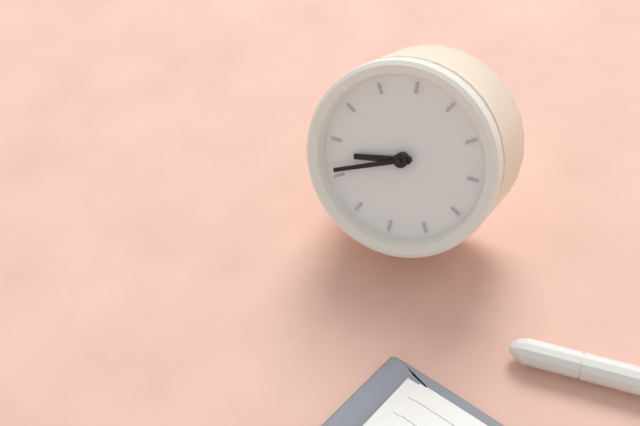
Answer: 7,36
